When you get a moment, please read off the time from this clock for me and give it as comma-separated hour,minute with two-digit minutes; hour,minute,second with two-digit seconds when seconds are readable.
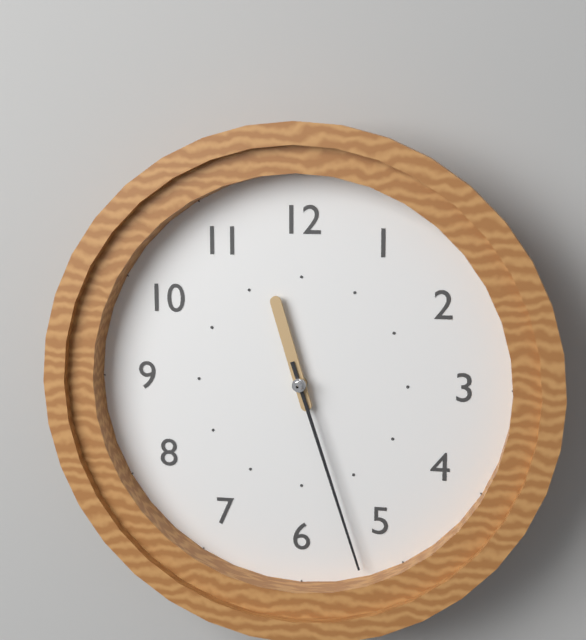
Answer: 11,27
